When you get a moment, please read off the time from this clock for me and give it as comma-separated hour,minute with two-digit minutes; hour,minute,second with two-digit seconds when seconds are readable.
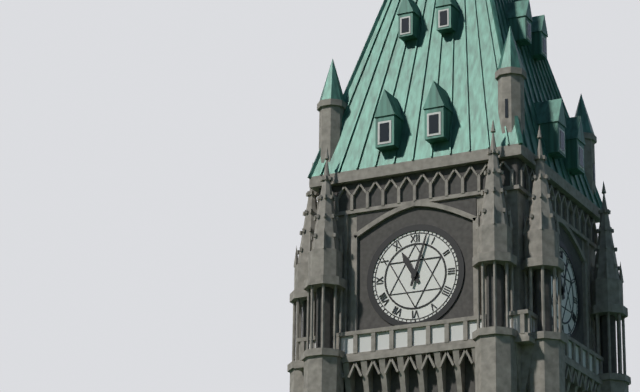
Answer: 11,03
